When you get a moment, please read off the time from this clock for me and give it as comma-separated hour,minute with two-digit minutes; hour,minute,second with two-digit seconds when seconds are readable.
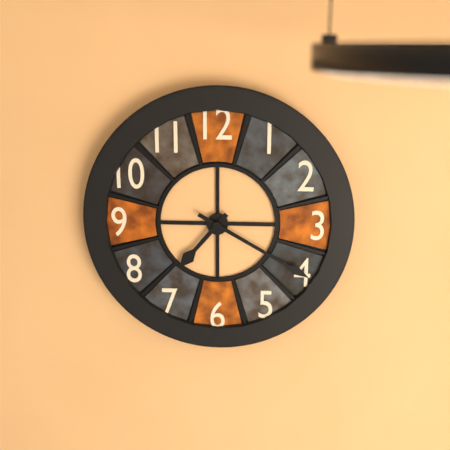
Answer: 7,20
